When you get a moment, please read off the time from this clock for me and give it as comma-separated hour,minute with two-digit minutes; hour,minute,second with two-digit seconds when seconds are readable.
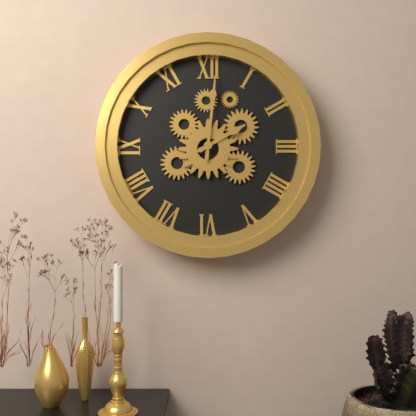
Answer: 2,01
